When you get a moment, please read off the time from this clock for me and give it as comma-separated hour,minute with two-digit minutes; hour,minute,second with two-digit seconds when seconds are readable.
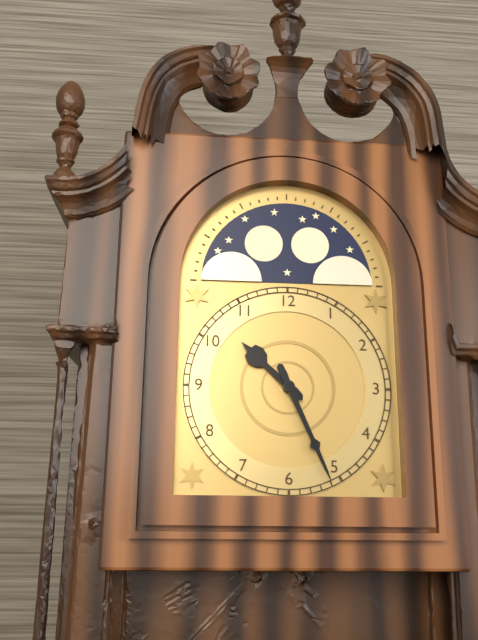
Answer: 10,26
